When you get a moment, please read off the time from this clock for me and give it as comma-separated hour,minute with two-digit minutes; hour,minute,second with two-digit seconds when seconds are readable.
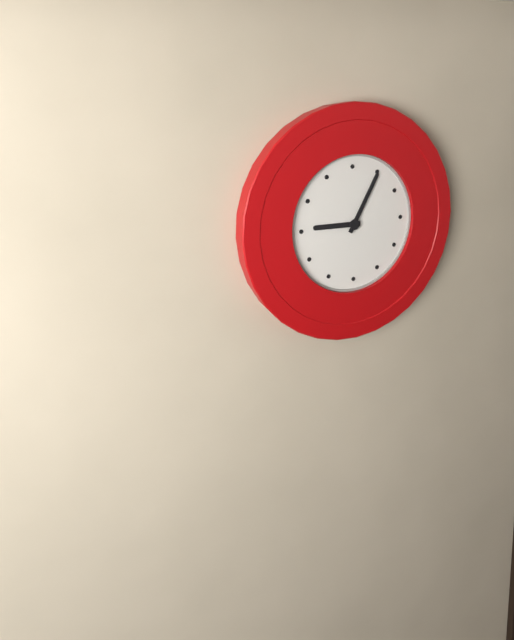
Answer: 9,05
